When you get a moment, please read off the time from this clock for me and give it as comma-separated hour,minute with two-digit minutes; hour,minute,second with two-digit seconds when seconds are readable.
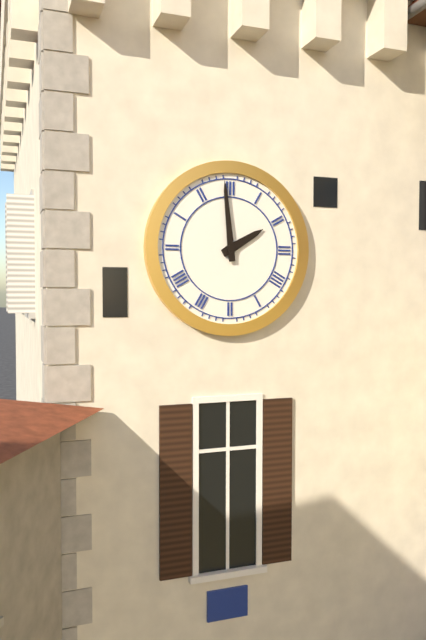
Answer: 1,59
